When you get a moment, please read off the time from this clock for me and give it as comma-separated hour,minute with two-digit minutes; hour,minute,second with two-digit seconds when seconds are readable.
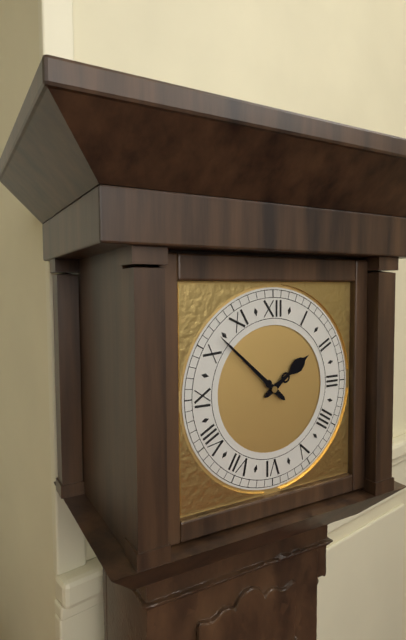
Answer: 1,52
